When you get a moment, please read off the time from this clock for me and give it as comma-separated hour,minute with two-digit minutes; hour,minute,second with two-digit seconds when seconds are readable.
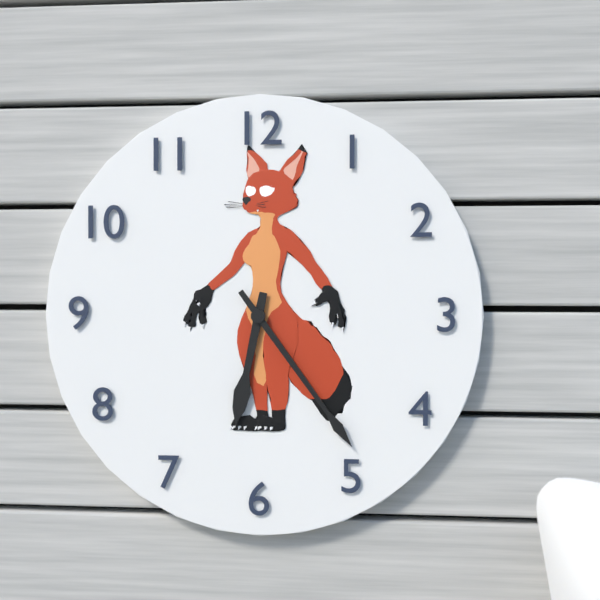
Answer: 6,24
